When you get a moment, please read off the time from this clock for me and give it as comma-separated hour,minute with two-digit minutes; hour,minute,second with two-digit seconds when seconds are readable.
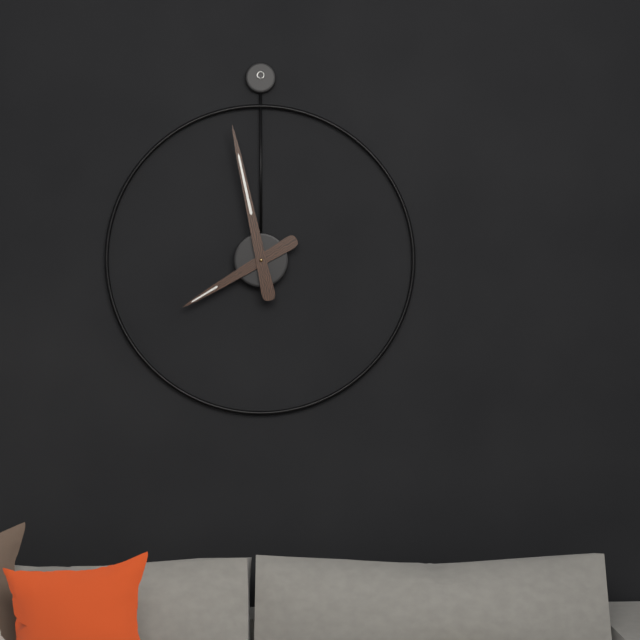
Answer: 7,58
